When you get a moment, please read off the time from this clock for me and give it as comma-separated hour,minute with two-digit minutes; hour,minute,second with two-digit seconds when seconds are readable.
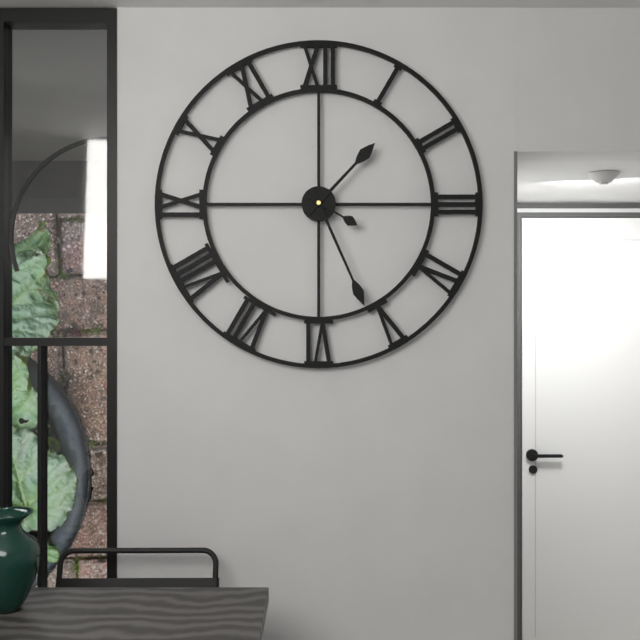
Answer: 1,26,20
